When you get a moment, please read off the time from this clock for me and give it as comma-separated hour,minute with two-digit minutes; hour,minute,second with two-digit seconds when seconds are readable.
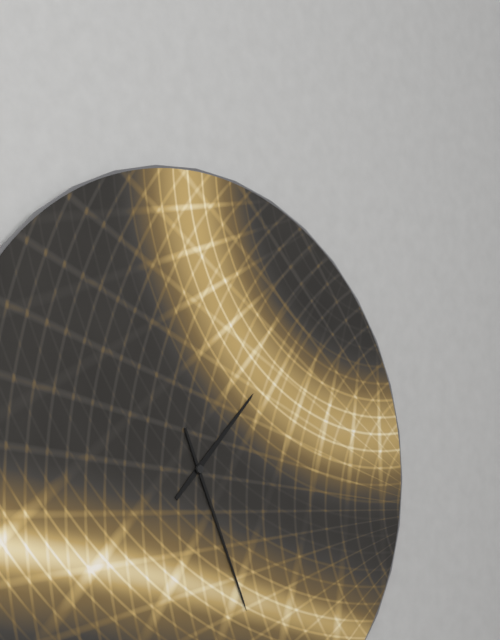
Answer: 1,26
